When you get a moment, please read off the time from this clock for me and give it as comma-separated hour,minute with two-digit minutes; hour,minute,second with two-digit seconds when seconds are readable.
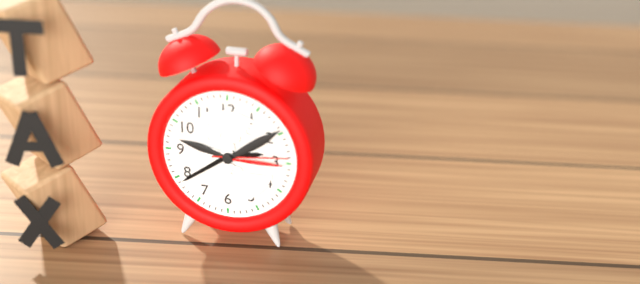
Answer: 2,39,14
